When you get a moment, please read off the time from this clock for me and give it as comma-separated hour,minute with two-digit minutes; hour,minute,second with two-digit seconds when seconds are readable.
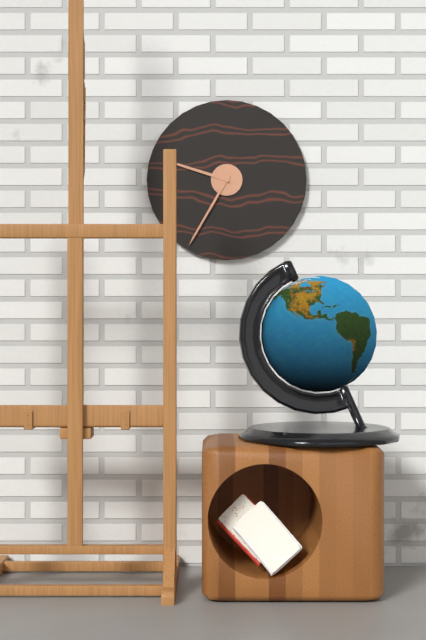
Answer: 9,35
